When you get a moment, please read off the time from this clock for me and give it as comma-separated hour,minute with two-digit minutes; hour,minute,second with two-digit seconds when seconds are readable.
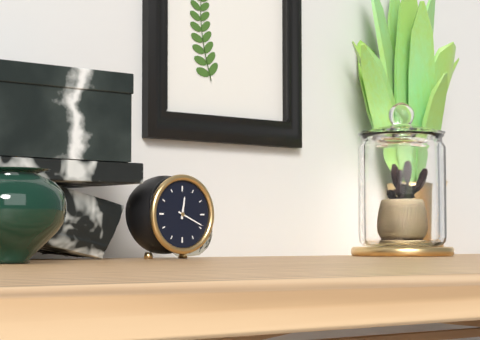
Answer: 12,19
